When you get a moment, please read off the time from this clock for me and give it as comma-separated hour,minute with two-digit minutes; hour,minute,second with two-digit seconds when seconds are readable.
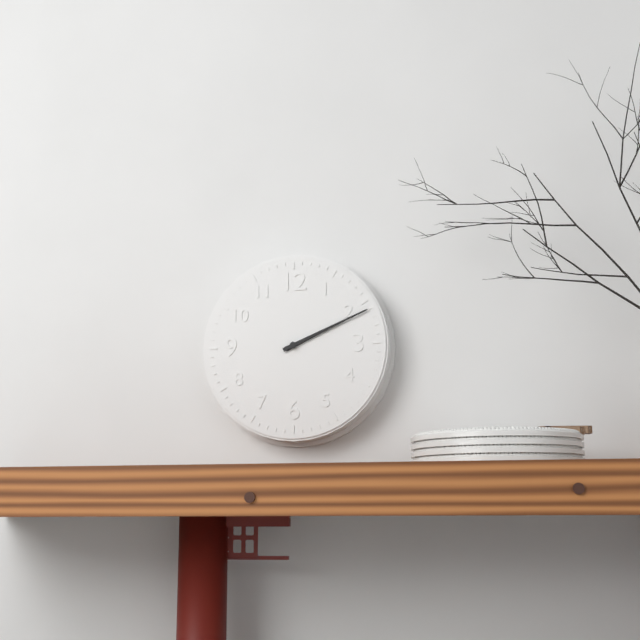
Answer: 2,11
